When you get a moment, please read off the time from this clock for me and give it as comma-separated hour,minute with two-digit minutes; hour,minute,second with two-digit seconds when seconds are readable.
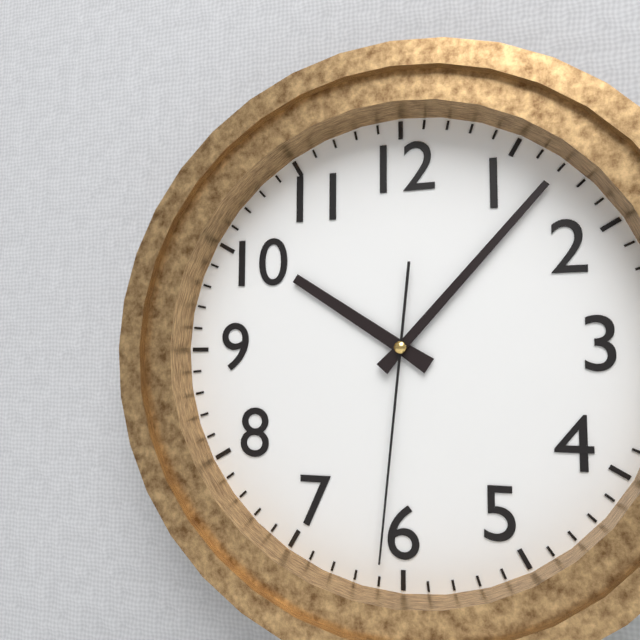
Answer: 10,07,31
